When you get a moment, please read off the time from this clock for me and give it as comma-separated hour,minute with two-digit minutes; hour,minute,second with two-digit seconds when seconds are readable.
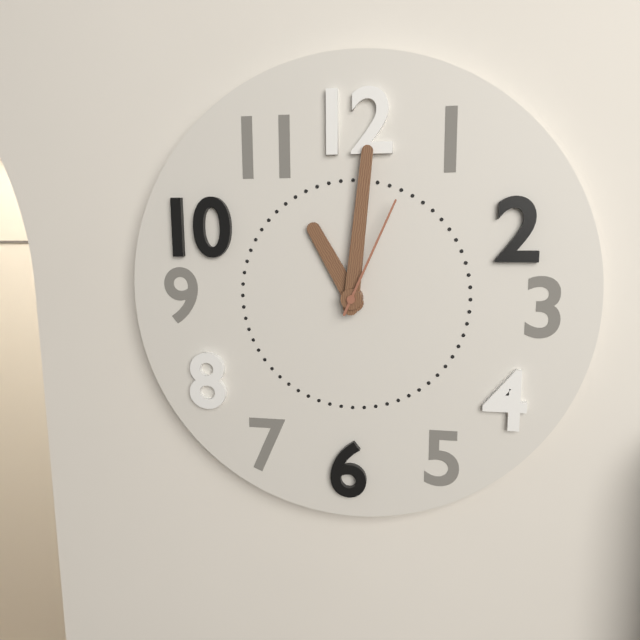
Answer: 11,01,04
